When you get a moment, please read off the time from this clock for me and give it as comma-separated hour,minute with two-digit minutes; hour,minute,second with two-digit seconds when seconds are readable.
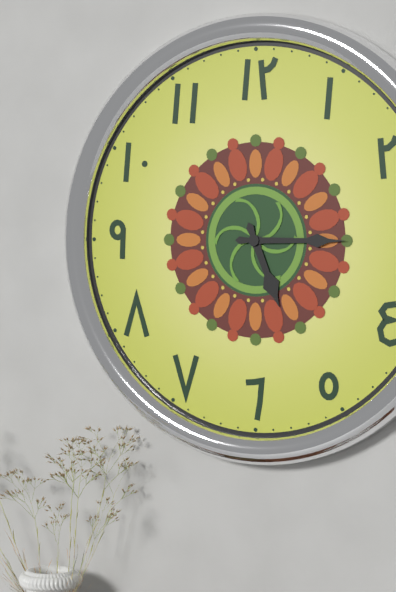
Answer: 5,15
